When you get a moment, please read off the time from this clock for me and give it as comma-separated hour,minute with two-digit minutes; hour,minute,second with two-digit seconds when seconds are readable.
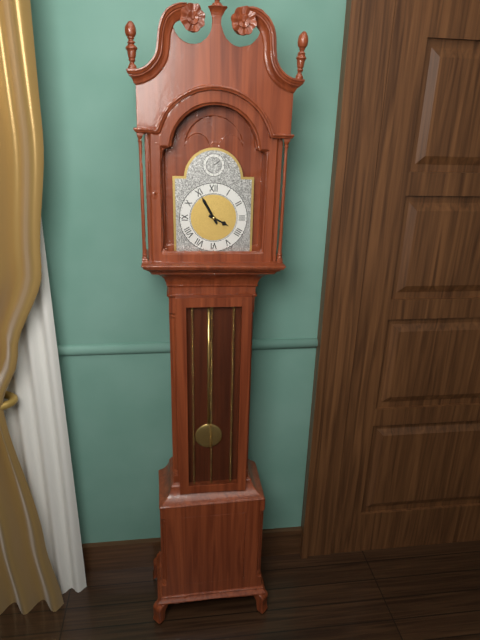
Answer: 3,55
